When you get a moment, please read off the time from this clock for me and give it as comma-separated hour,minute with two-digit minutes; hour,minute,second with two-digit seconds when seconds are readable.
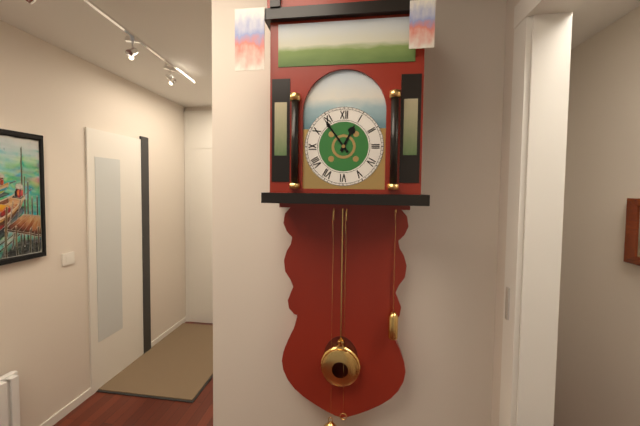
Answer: 12,54
